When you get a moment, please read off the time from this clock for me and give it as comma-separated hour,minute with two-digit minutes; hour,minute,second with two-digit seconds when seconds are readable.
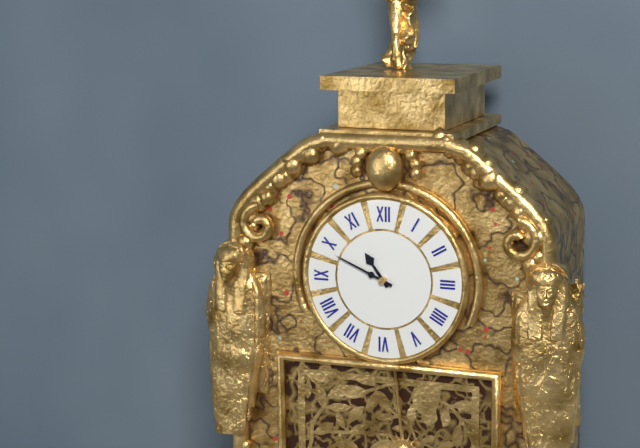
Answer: 10,49
